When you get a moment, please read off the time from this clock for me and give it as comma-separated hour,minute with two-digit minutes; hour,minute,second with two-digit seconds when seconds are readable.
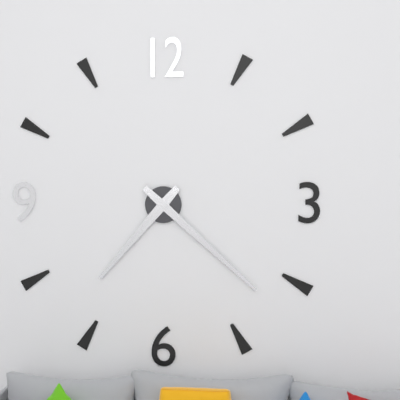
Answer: 7,22
